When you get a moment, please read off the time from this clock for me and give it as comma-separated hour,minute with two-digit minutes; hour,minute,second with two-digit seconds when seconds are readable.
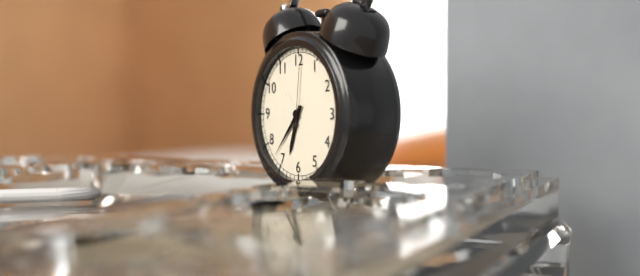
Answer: 6,37,01
